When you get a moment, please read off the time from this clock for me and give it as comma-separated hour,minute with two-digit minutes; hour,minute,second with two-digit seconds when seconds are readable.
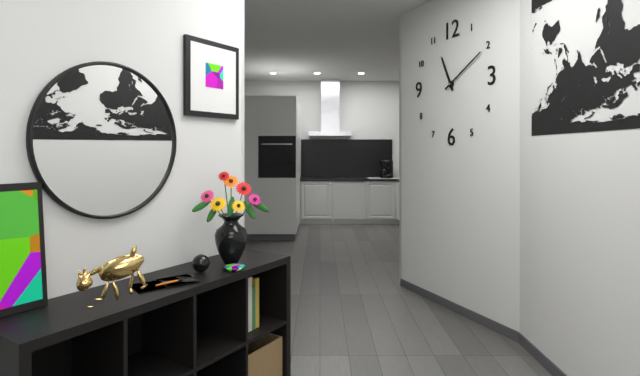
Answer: 11,10
